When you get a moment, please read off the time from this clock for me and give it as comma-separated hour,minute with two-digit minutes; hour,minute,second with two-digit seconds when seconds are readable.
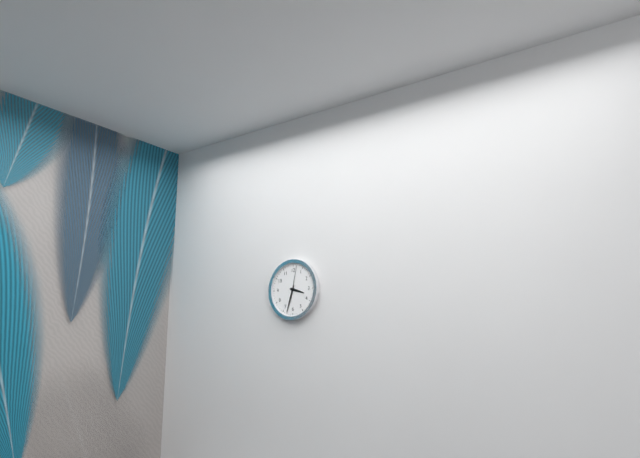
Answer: 3,33
